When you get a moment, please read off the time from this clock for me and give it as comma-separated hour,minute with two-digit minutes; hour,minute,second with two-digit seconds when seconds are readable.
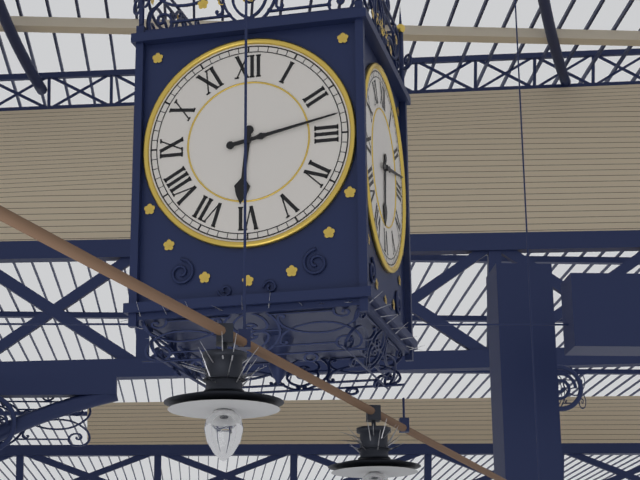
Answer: 6,13
